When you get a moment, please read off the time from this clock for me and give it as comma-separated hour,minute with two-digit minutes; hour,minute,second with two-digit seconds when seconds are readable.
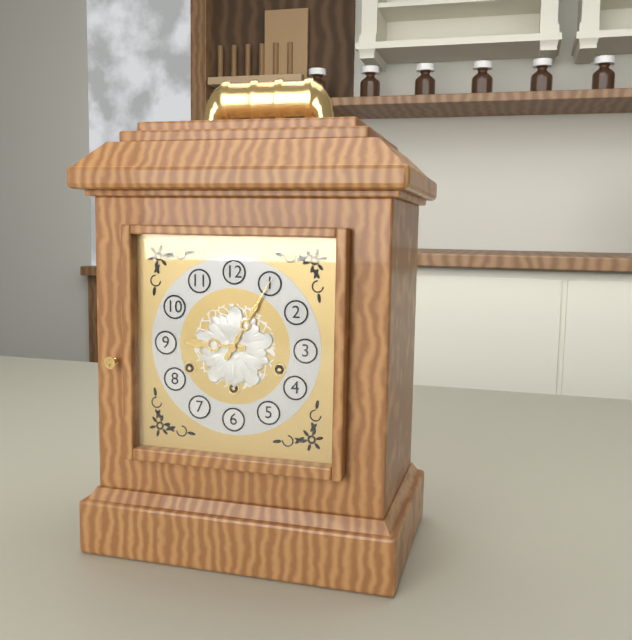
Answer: 9,05
